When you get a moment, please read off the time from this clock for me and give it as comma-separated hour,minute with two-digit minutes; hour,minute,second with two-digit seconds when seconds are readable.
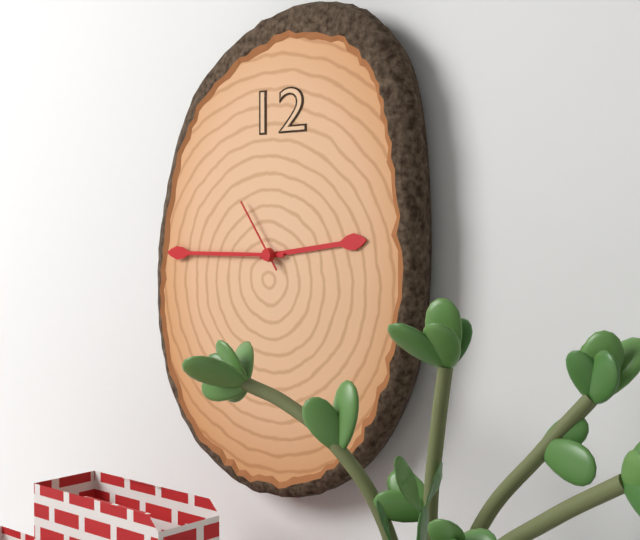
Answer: 2,45,54
